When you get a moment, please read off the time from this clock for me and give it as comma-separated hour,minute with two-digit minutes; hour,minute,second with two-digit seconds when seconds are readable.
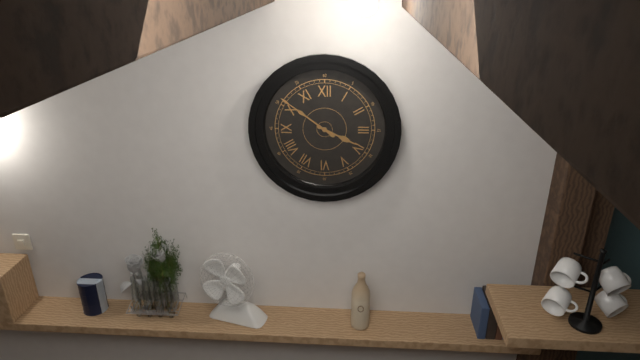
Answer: 3,51
